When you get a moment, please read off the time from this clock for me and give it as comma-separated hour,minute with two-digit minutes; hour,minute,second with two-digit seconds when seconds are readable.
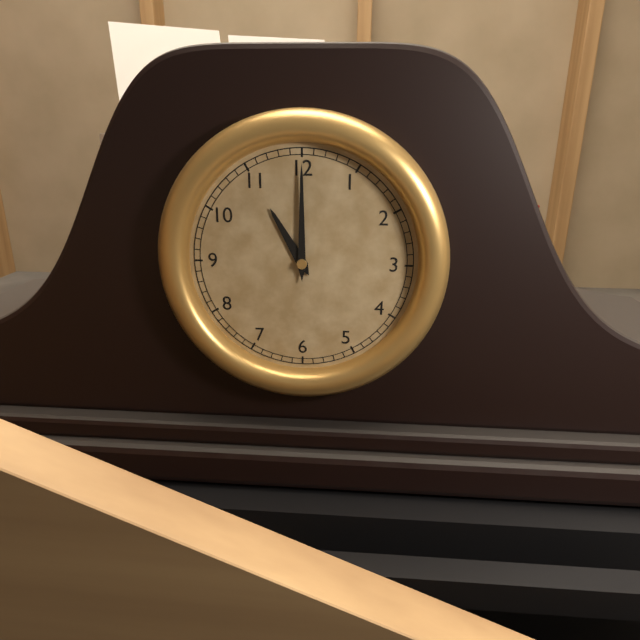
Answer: 11,00
